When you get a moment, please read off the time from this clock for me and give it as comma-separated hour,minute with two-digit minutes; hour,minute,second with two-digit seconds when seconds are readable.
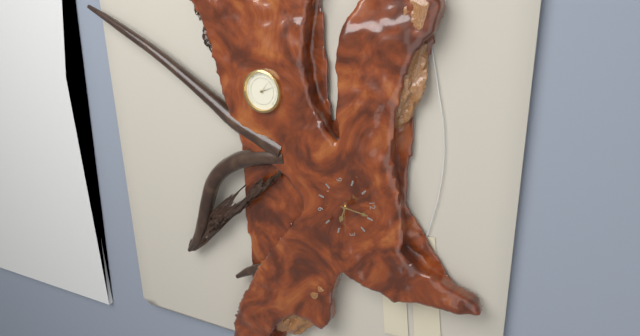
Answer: 4,04
